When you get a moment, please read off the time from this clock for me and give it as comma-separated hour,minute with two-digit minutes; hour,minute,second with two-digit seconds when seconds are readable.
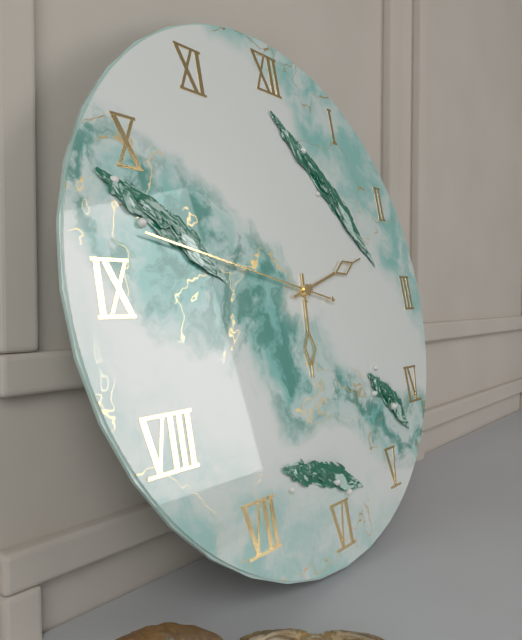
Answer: 6,12,47
